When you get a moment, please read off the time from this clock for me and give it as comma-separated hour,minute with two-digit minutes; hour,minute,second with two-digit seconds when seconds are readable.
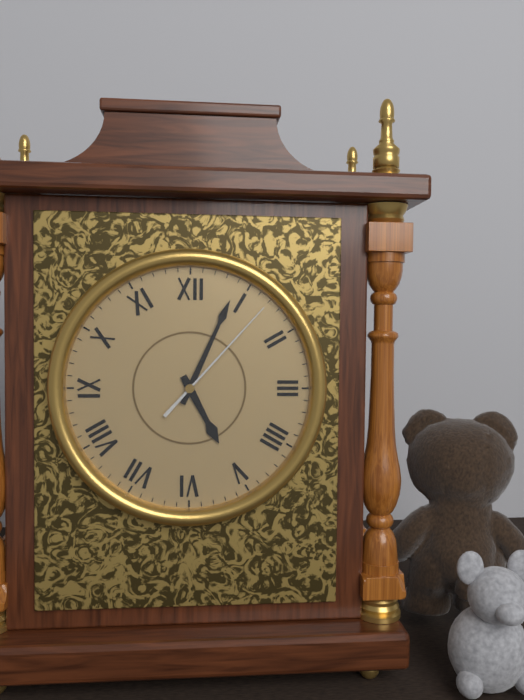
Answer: 5,04,07
